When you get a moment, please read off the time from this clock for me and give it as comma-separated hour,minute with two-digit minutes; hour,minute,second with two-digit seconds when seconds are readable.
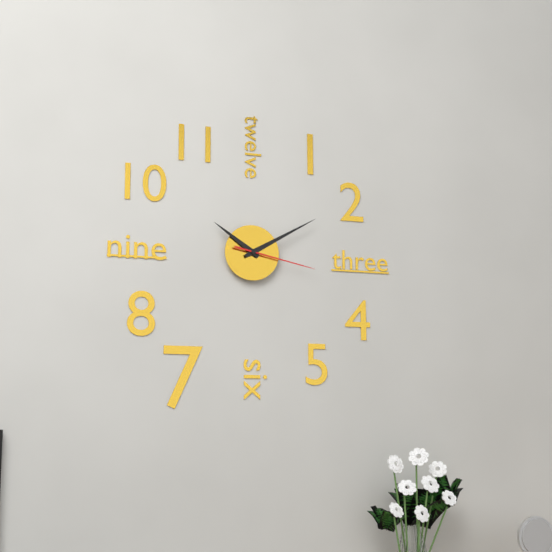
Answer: 10,10,17
